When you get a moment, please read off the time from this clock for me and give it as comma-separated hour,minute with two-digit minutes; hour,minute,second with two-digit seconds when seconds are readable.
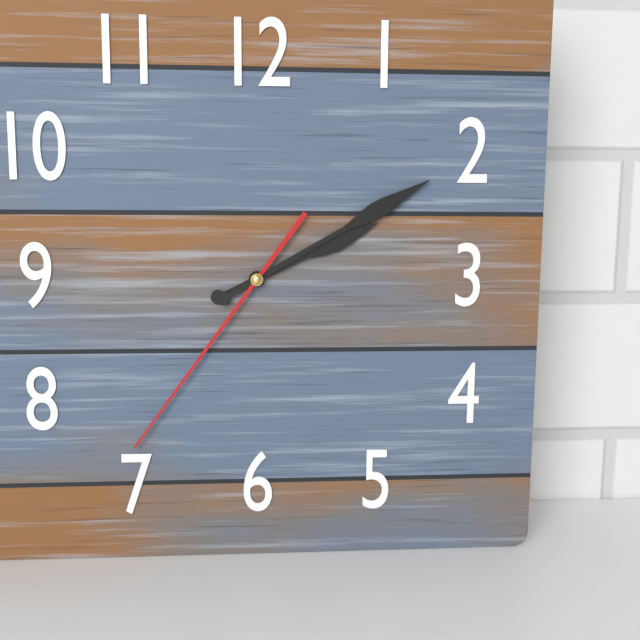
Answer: 2,10,36
